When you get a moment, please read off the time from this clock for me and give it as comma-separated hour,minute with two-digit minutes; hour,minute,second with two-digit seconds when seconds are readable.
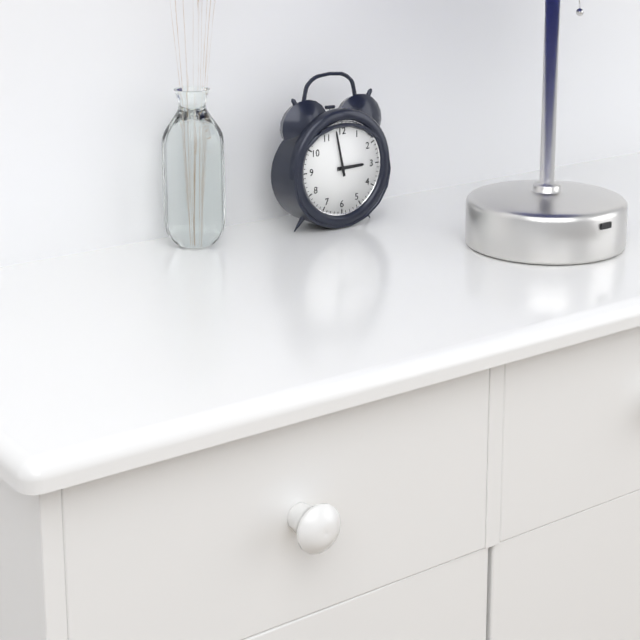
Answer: 2,58
